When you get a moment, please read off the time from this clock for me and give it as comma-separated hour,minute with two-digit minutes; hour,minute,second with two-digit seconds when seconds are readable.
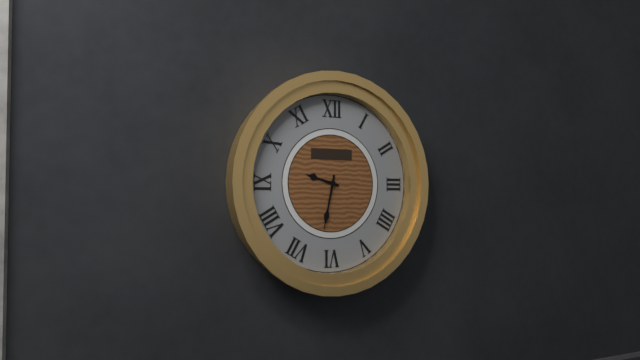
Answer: 9,32
